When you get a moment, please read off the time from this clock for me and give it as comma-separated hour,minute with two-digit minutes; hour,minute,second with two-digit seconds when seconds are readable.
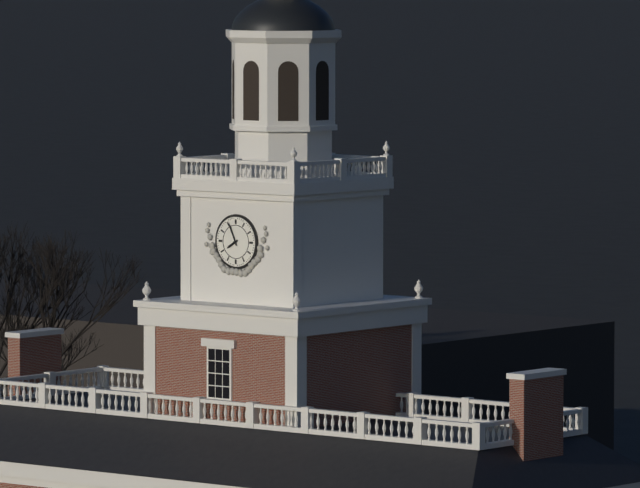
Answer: 7,56
